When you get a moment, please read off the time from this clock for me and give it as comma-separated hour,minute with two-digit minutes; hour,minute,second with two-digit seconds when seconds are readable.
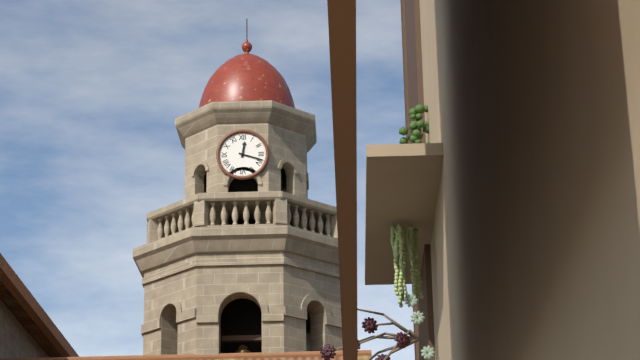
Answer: 12,18
